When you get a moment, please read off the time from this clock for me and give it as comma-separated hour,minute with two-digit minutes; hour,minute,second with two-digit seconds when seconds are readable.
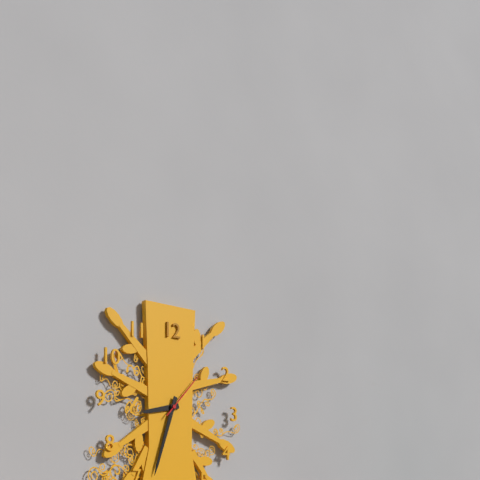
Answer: 8,33,07
